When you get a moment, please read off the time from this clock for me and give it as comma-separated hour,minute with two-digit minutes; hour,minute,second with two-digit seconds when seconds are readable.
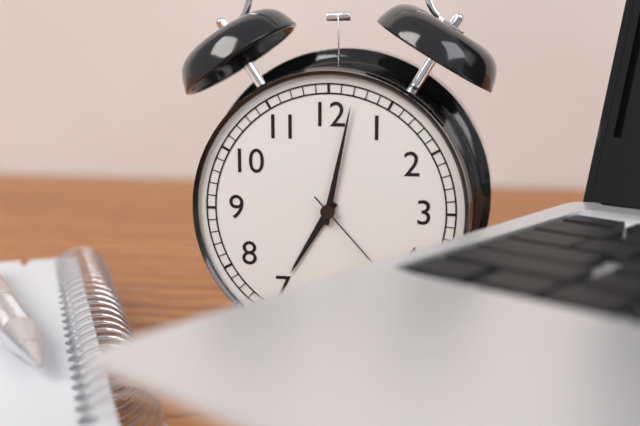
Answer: 7,02,23
